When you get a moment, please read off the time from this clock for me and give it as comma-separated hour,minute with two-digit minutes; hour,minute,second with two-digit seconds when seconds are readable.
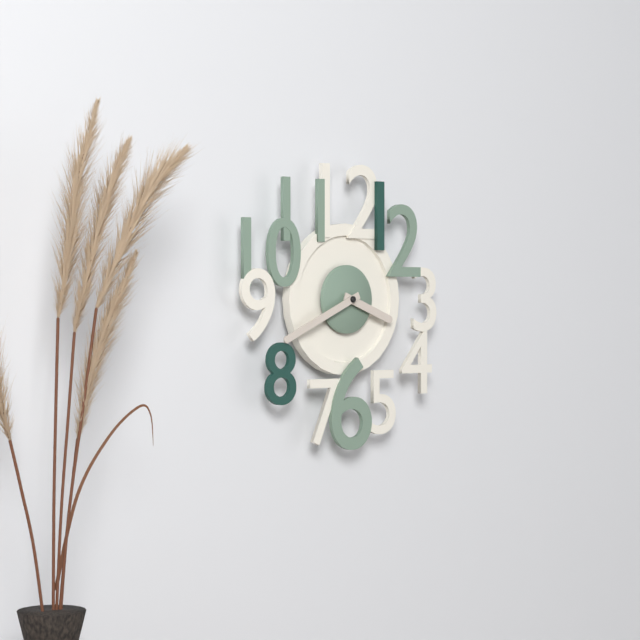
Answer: 3,41
